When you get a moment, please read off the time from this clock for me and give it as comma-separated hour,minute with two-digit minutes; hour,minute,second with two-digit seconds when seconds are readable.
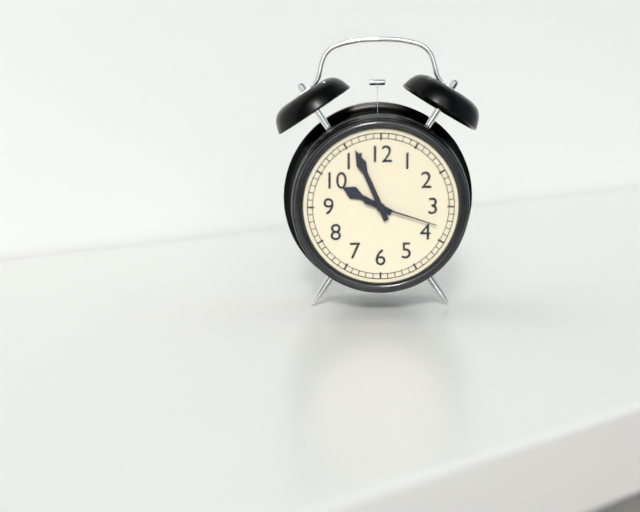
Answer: 9,56,18
